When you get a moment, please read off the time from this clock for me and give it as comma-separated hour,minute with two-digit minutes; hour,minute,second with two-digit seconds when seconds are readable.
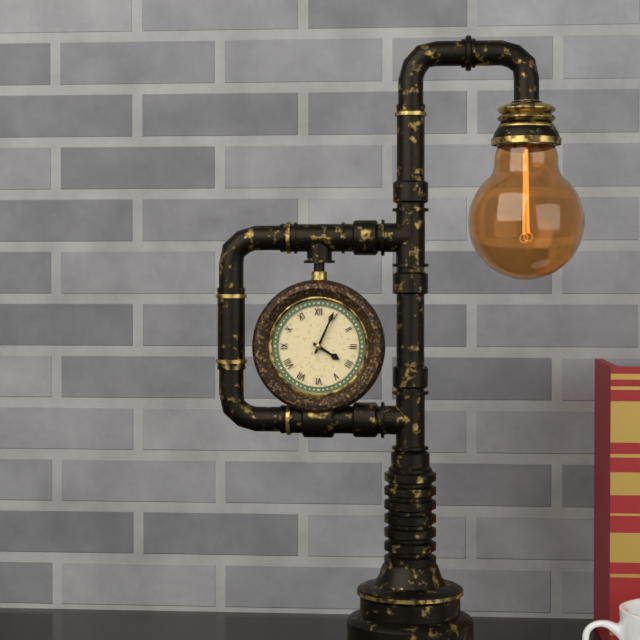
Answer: 4,04
